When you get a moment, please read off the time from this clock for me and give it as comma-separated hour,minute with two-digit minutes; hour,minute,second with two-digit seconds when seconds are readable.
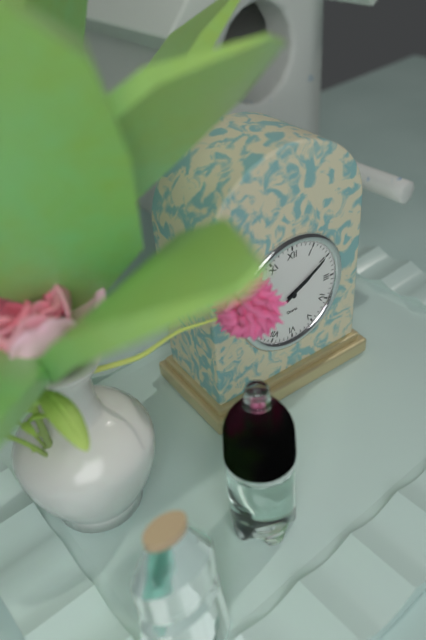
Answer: 2,10
